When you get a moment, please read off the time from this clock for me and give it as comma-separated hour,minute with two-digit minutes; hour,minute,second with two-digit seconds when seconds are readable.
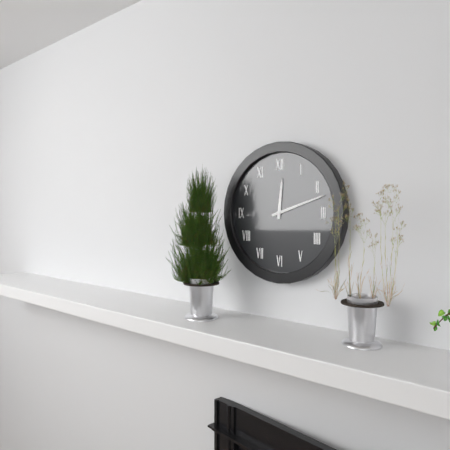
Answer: 12,12
